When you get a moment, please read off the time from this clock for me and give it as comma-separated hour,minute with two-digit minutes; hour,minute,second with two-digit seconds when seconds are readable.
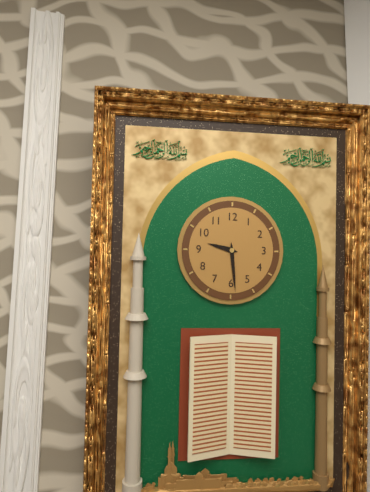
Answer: 9,29
